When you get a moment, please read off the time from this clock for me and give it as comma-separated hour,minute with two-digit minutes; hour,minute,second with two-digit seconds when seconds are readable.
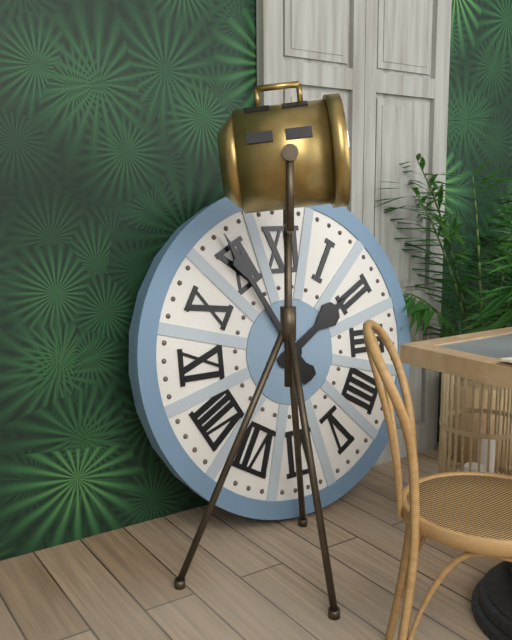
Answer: 1,55
